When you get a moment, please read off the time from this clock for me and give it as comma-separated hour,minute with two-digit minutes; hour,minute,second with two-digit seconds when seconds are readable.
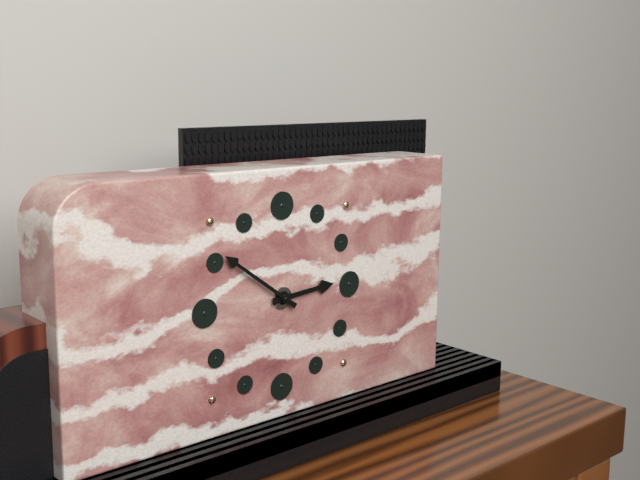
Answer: 2,51
